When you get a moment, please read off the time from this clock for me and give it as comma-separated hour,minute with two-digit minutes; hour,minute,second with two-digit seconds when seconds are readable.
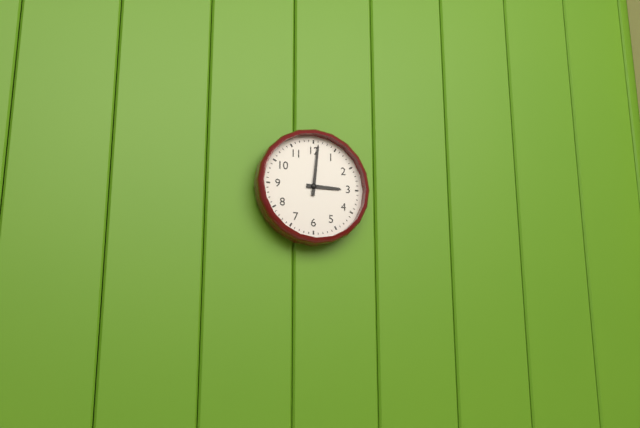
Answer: 3,01
